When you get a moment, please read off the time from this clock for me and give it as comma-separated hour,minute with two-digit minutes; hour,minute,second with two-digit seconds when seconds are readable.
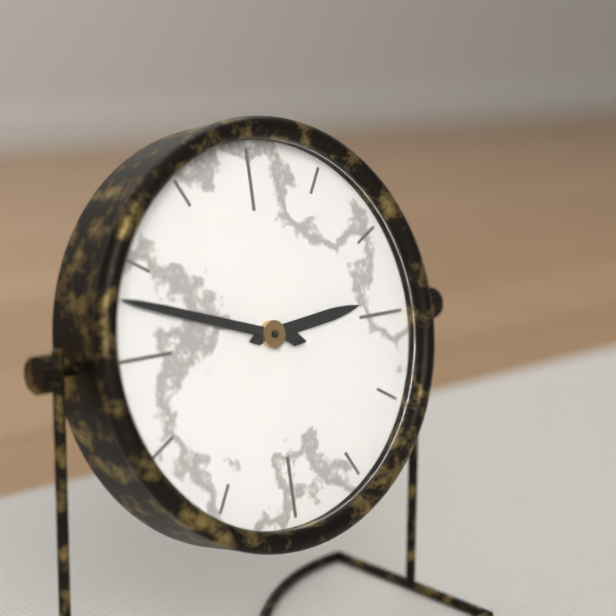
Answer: 2,48
